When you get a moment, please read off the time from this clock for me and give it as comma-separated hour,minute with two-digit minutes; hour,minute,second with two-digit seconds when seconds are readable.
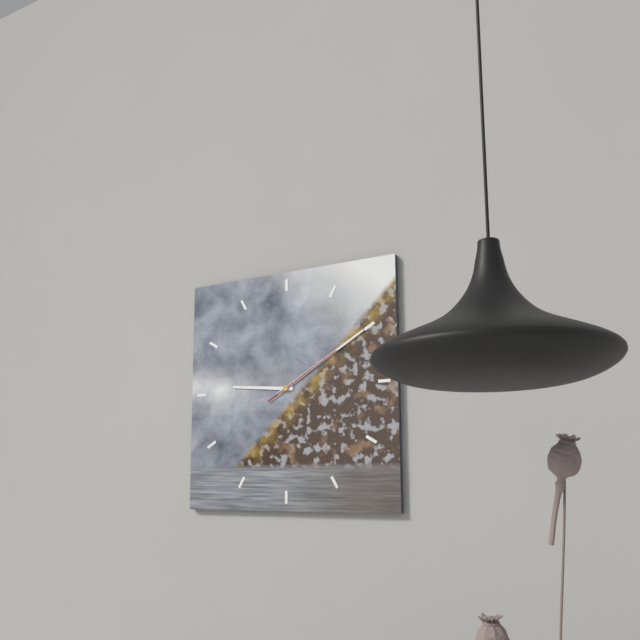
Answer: 9,10,10
